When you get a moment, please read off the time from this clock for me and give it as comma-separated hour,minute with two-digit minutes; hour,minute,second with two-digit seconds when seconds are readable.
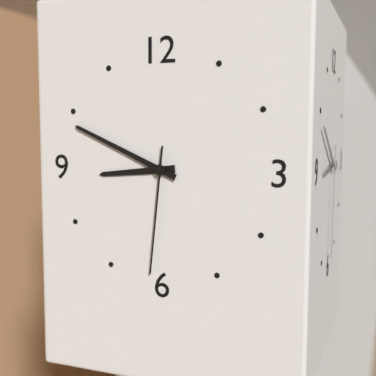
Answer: 8,49,31
